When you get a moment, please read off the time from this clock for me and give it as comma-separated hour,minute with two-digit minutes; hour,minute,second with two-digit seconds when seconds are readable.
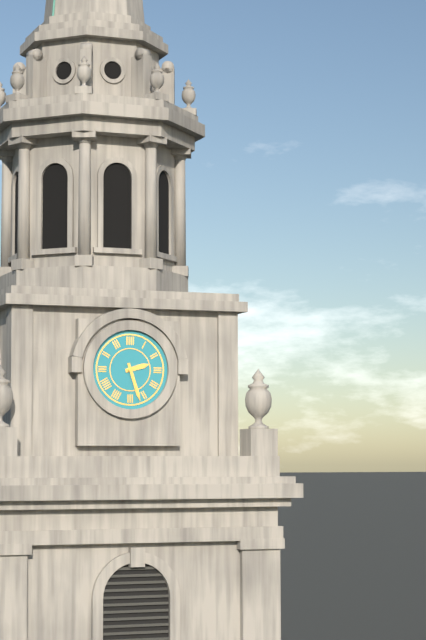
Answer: 2,27
